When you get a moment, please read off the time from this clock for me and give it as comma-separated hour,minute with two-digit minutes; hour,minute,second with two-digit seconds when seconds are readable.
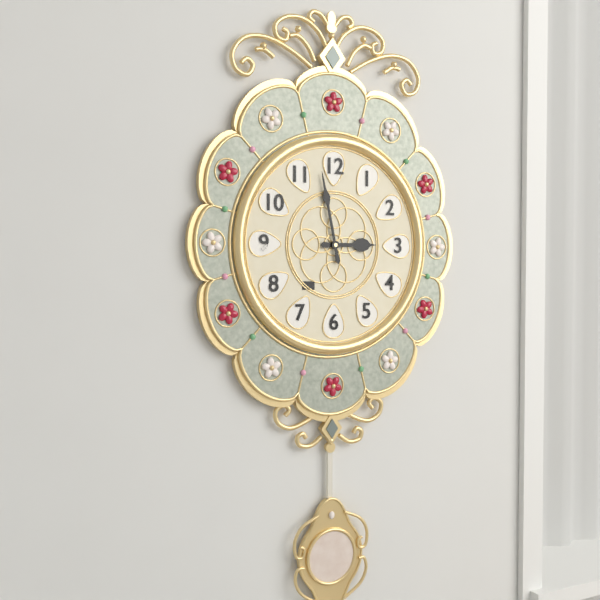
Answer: 2,58
